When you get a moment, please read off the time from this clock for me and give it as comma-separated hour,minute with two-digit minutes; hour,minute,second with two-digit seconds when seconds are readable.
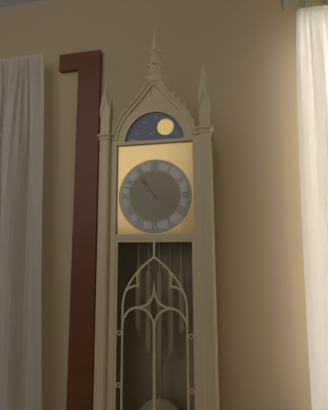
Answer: 10,48
